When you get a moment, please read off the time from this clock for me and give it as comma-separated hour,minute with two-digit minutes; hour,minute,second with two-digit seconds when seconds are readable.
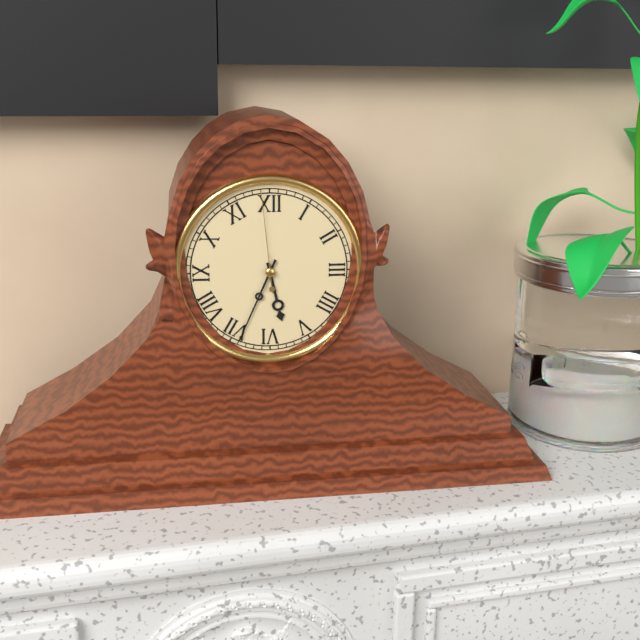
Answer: 5,34,59
